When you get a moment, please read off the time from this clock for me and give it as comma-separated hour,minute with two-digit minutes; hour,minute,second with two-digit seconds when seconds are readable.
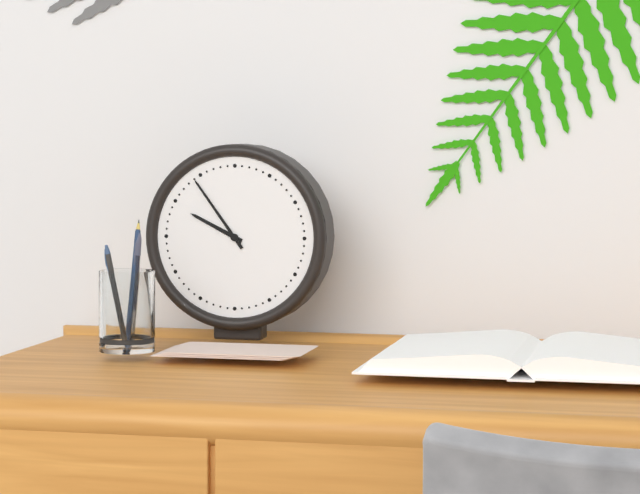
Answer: 9,54
